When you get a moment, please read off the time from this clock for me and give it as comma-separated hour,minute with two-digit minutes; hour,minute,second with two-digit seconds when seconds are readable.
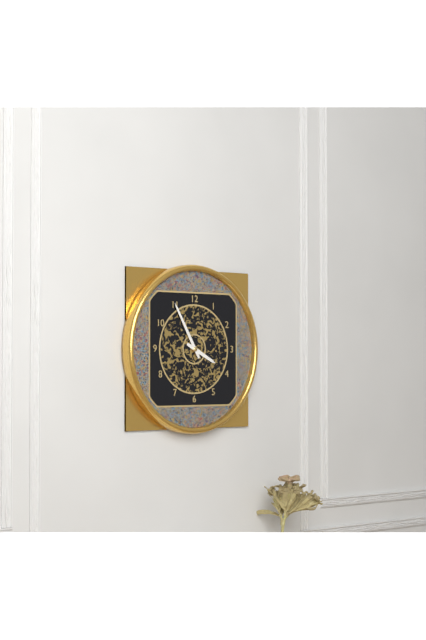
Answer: 3,55
